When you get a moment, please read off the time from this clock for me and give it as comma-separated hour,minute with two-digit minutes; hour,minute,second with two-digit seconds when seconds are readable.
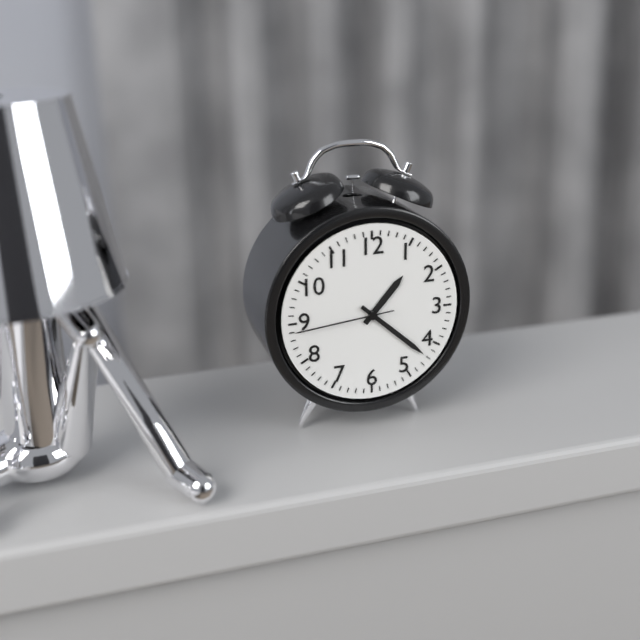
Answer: 1,22,44
